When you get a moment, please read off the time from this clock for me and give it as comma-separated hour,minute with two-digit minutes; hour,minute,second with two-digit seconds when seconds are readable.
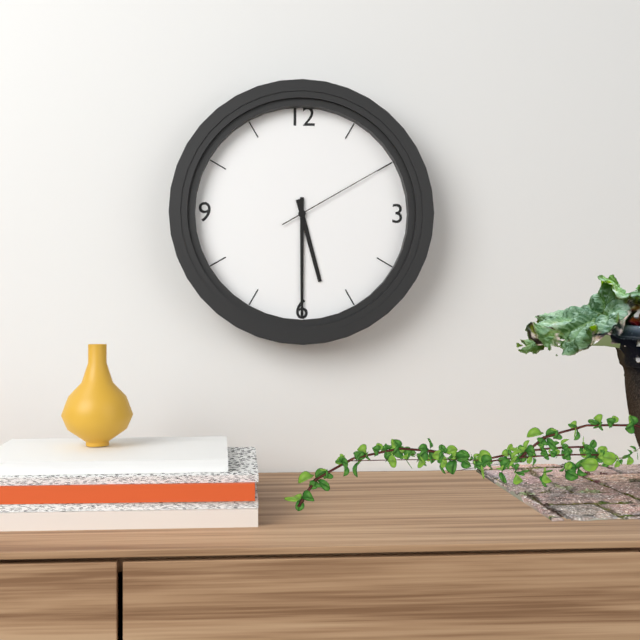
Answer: 5,30,10
